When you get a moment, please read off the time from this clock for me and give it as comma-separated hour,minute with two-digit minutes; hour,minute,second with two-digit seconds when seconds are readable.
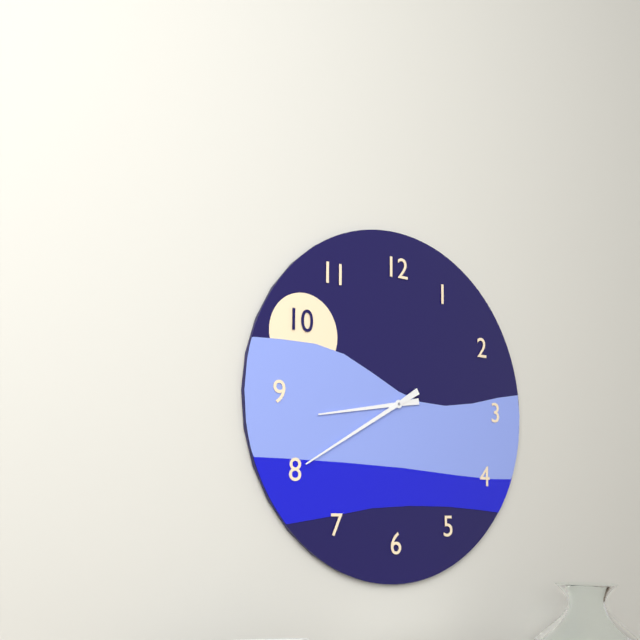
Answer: 8,40
